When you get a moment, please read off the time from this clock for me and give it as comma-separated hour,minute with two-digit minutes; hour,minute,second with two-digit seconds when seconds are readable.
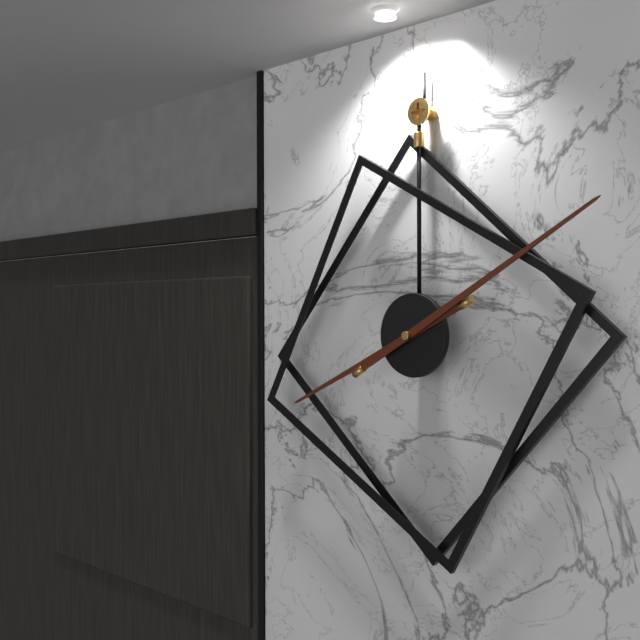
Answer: 8,10
